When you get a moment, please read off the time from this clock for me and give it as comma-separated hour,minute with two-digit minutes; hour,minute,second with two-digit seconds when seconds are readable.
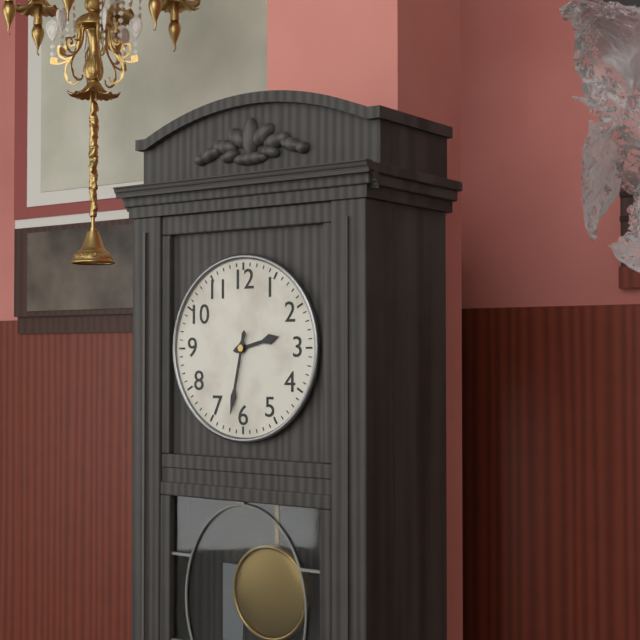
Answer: 2,32
